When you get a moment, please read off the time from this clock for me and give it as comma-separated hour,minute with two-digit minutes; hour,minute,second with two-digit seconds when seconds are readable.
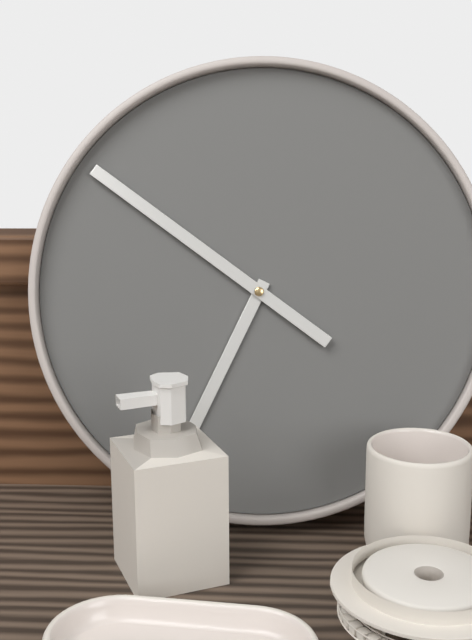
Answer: 6,51
